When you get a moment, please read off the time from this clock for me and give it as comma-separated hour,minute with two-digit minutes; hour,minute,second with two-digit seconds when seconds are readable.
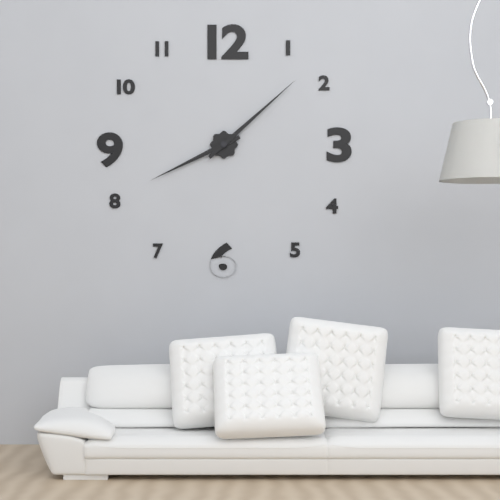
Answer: 8,08
